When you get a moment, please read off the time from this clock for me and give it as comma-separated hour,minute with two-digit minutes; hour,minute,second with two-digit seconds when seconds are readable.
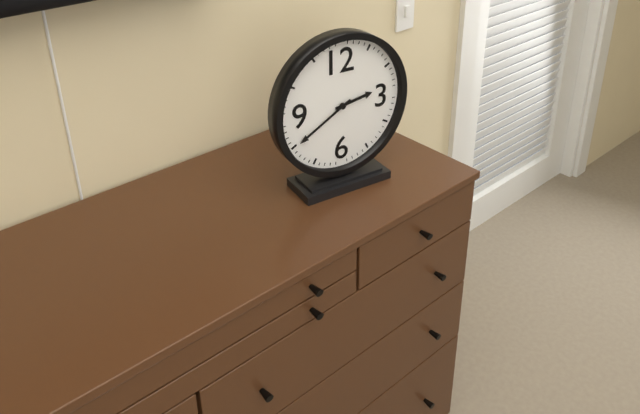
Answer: 2,40
